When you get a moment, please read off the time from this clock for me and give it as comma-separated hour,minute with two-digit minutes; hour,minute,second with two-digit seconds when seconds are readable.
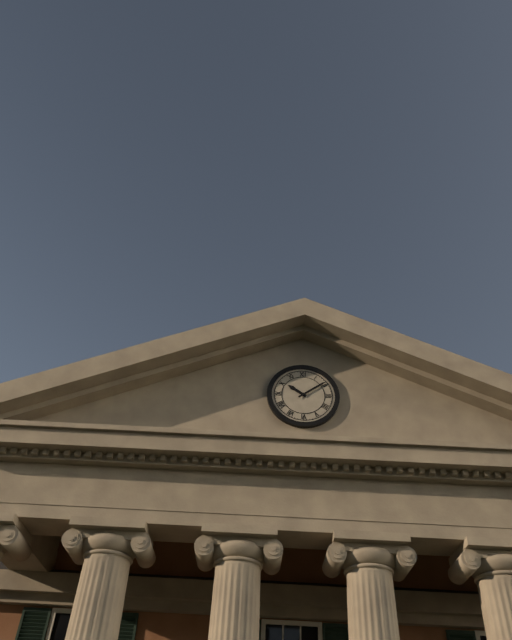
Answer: 10,09
